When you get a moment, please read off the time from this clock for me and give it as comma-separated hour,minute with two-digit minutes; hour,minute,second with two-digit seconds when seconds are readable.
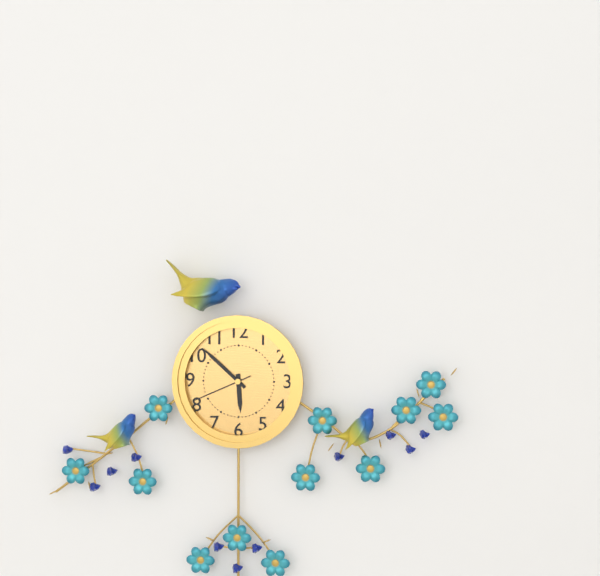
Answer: 5,52,41
